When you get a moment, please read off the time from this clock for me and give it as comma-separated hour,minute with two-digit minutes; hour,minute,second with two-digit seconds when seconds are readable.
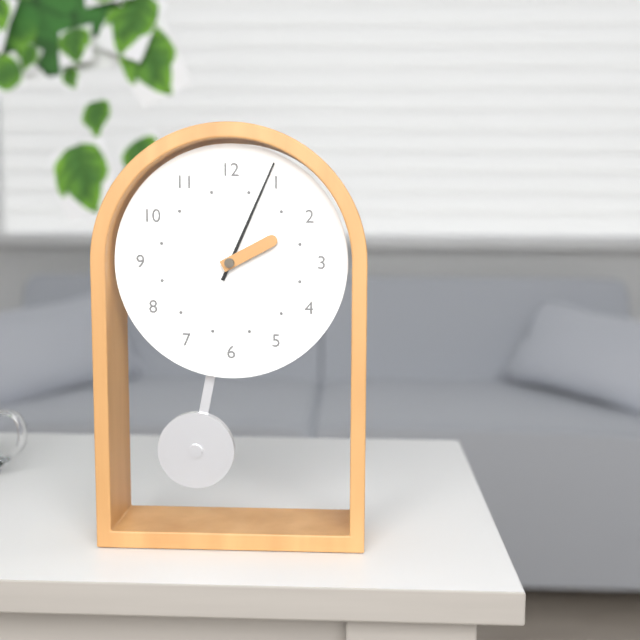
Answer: 2,04
